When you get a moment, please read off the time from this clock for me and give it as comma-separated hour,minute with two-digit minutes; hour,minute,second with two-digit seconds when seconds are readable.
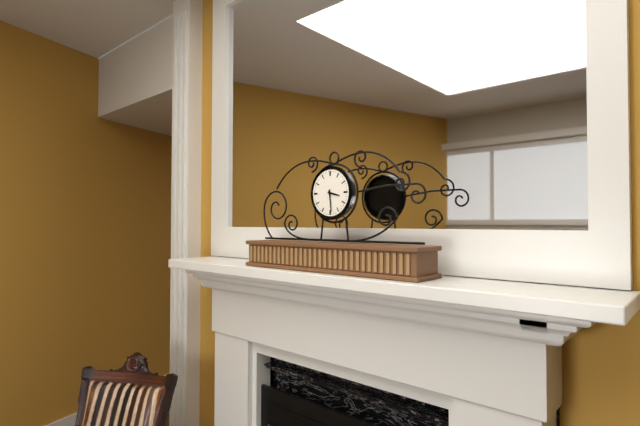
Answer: 3,29
